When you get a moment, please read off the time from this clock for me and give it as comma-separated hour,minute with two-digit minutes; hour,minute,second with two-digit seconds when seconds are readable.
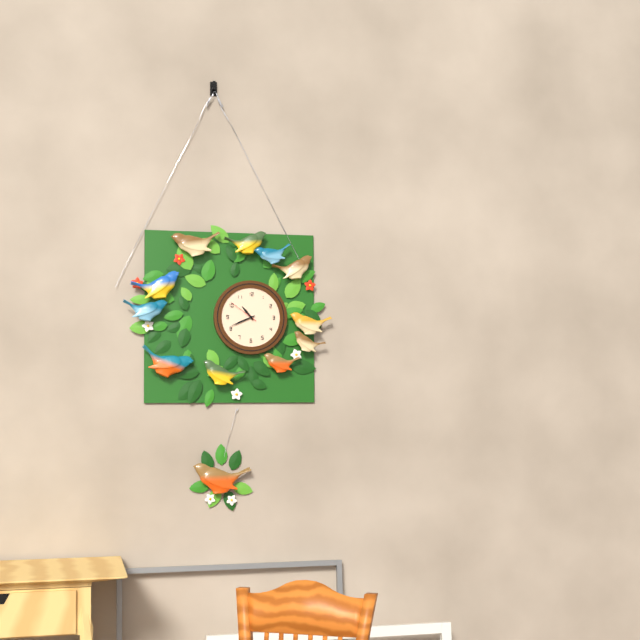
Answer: 10,41
